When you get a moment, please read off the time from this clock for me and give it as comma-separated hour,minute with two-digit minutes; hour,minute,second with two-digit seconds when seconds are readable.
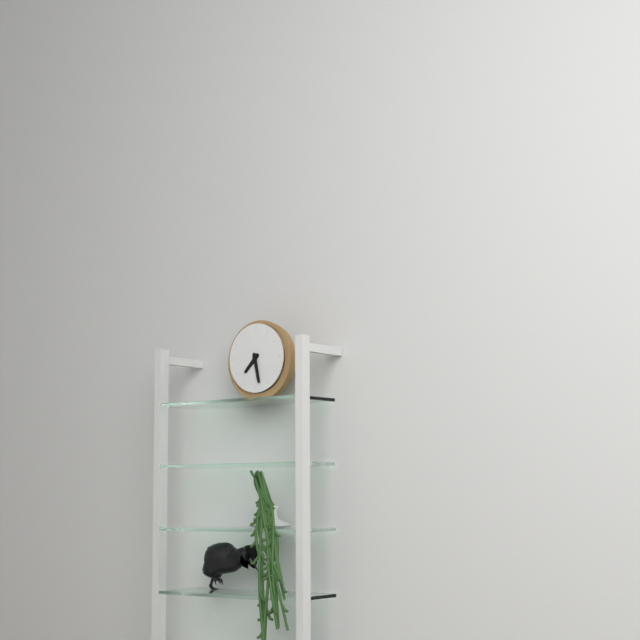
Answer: 7,28
